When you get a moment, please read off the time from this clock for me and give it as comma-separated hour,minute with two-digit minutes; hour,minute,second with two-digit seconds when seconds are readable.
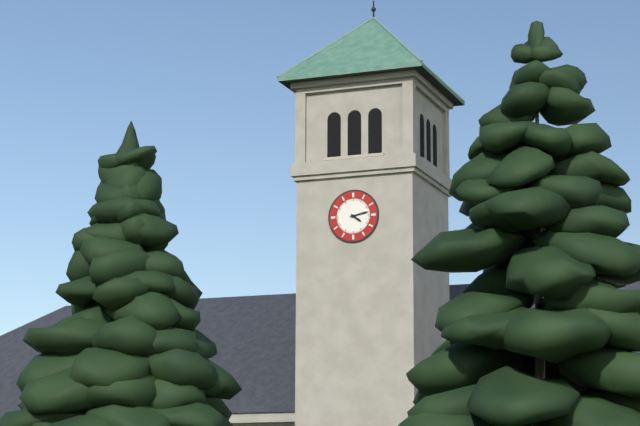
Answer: 4,13
